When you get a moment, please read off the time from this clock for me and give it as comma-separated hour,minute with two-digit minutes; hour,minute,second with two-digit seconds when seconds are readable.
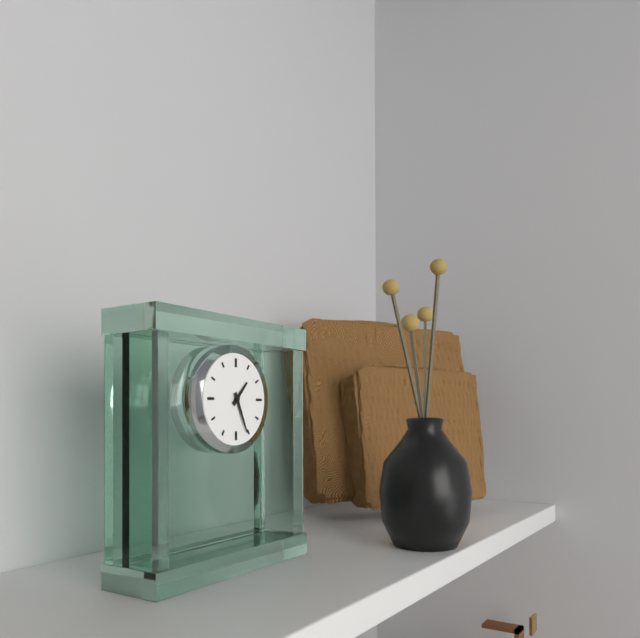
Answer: 1,26
